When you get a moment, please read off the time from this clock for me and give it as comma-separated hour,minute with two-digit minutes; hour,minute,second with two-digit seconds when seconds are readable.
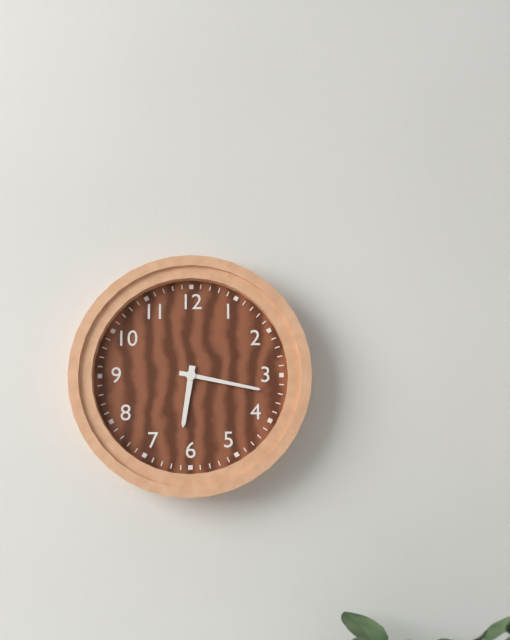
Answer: 6,17
